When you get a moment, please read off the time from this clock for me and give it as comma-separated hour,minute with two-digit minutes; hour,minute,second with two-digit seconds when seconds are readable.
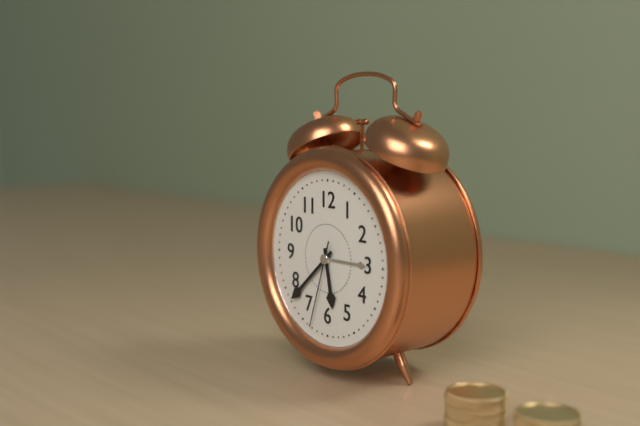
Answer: 5,38,33
